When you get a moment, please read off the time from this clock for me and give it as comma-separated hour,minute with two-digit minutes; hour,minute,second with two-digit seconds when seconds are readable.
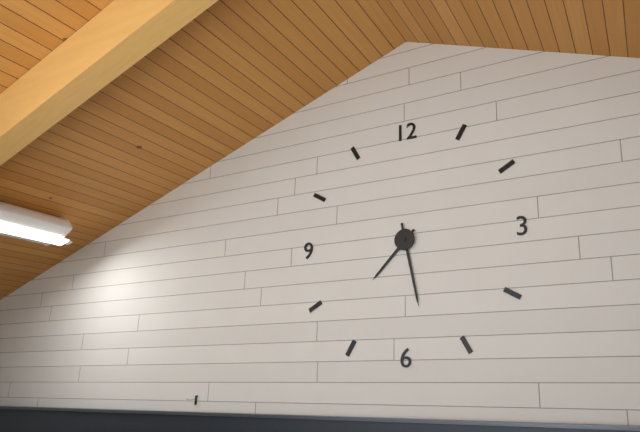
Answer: 7,28
